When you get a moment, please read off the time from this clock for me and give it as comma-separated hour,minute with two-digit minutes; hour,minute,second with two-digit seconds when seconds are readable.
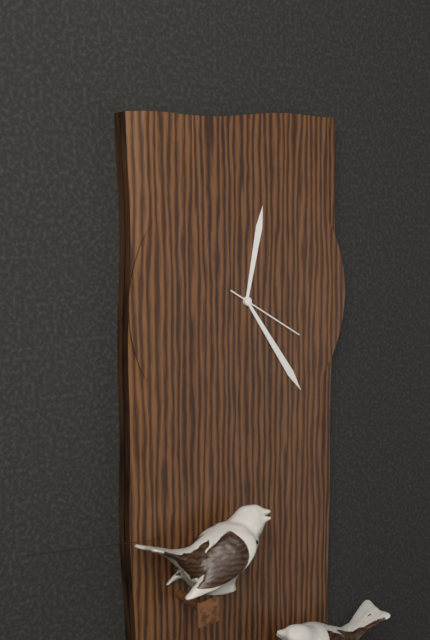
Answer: 12,24,20
